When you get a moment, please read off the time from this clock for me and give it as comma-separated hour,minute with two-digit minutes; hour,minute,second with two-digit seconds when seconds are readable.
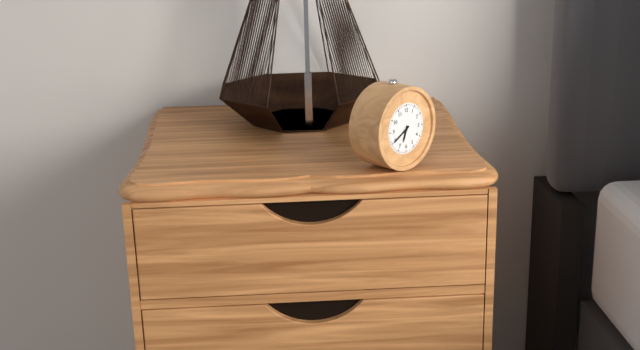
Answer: 6,40
